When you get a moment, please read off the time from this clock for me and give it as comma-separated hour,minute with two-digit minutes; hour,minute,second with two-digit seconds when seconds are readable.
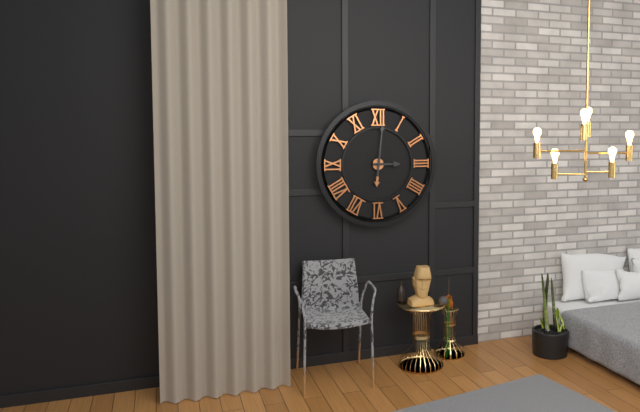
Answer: 3,01
